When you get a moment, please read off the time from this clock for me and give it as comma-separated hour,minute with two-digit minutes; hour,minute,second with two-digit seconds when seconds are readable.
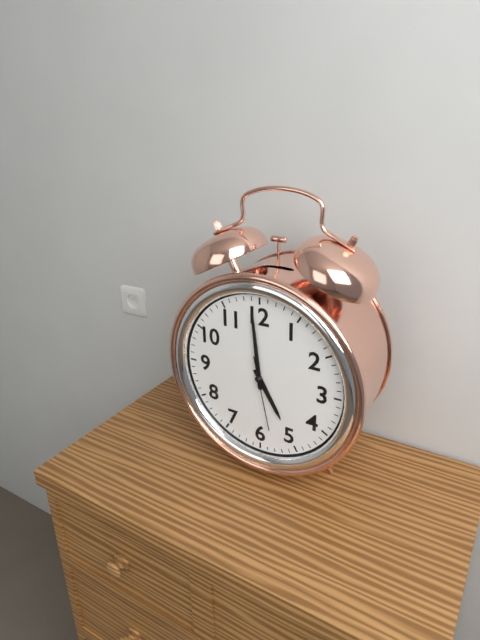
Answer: 4,59,28
